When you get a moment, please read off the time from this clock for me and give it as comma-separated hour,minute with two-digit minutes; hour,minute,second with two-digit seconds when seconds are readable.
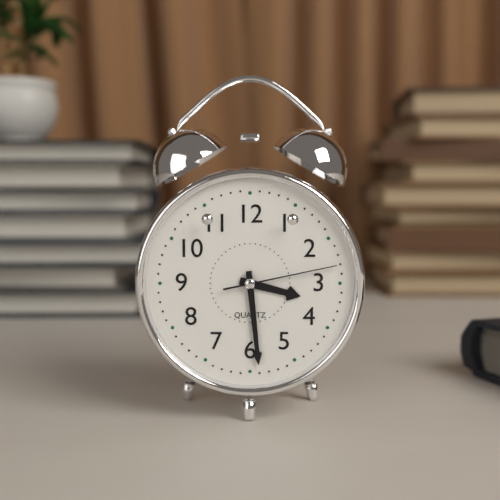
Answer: 3,29,13
